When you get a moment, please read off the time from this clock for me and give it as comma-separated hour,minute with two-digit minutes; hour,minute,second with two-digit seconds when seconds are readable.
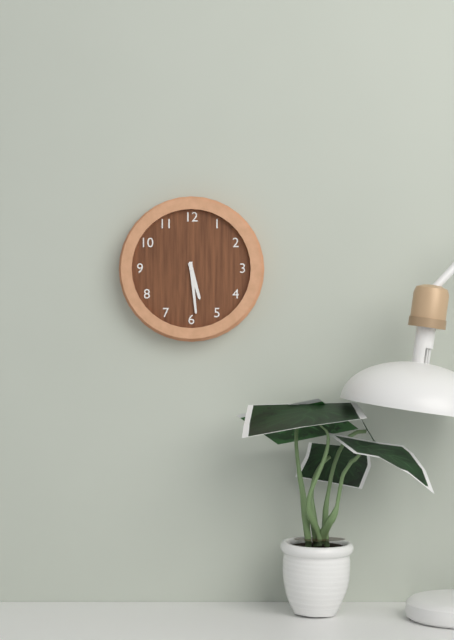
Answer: 5,29
